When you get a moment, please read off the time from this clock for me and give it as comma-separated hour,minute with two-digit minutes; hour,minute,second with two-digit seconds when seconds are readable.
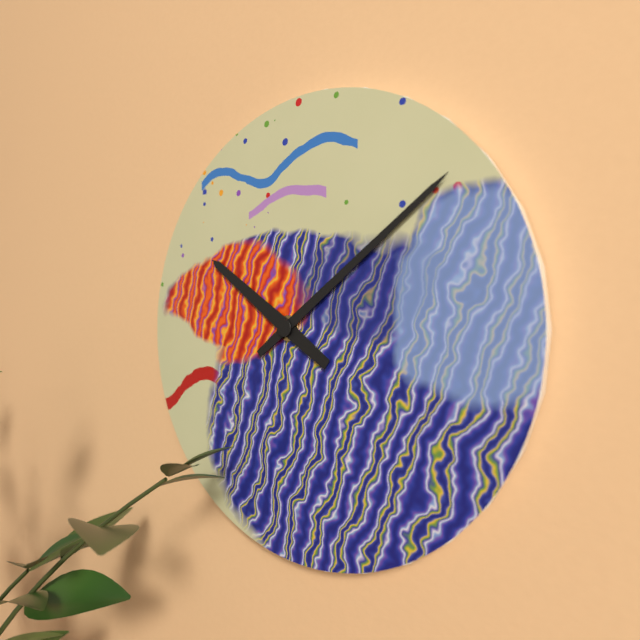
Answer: 10,09
